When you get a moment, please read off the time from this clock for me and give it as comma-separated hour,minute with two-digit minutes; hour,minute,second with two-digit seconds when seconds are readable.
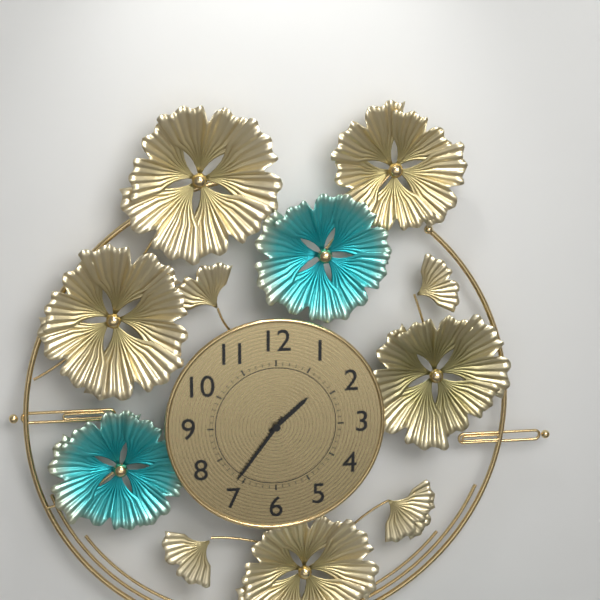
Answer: 1,36
